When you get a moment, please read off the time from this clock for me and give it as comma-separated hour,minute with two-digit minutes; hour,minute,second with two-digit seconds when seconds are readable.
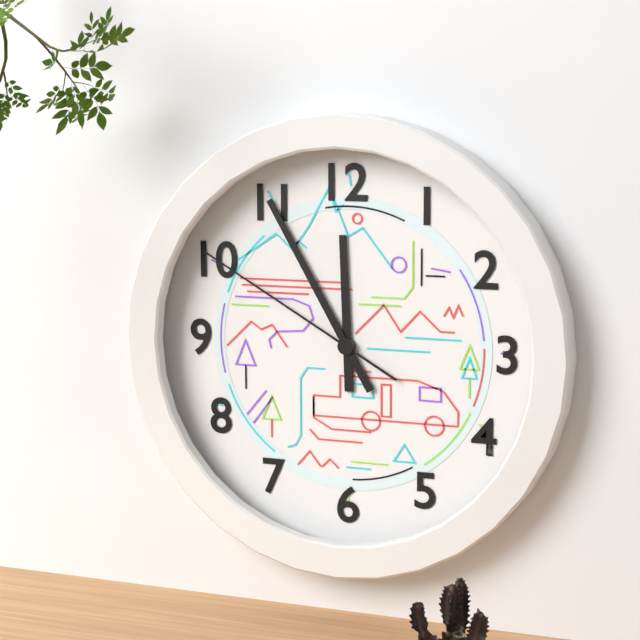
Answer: 11,55,50
